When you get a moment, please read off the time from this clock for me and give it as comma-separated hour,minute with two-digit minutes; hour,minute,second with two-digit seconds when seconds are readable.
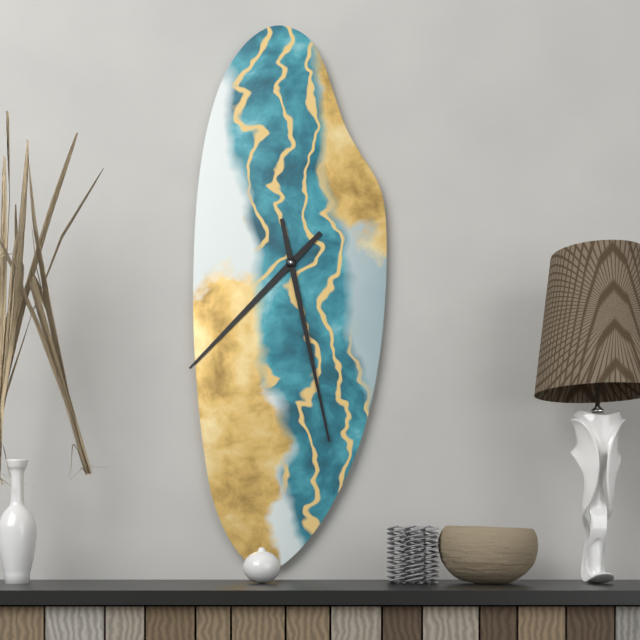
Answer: 7,28
